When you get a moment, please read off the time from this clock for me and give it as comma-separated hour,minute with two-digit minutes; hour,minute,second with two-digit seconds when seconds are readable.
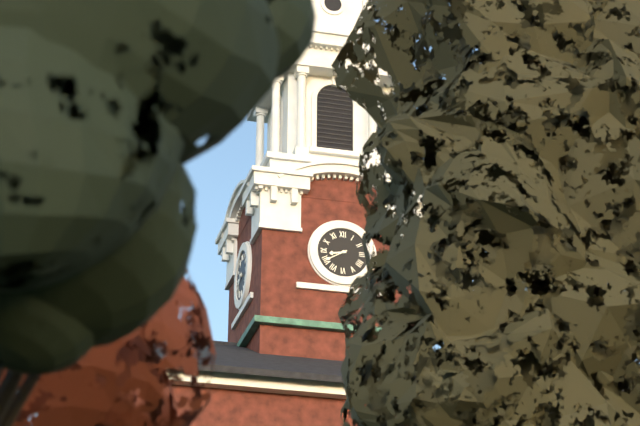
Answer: 8,40
